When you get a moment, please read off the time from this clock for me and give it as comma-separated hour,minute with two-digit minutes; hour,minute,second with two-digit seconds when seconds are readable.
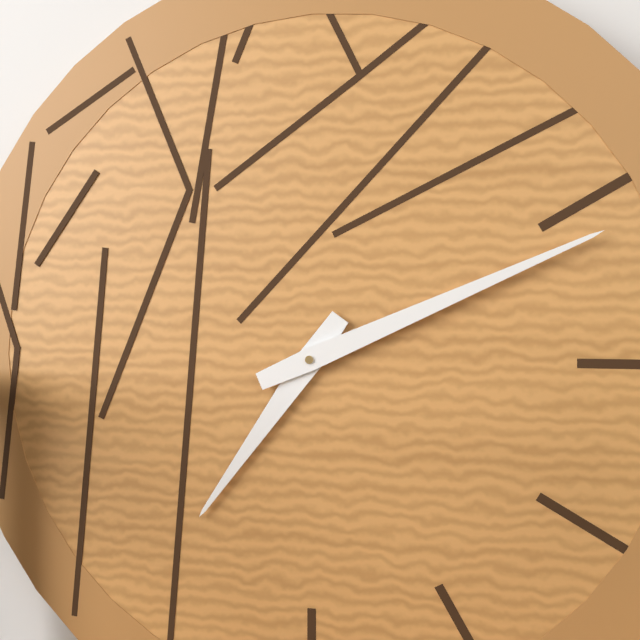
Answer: 7,11
